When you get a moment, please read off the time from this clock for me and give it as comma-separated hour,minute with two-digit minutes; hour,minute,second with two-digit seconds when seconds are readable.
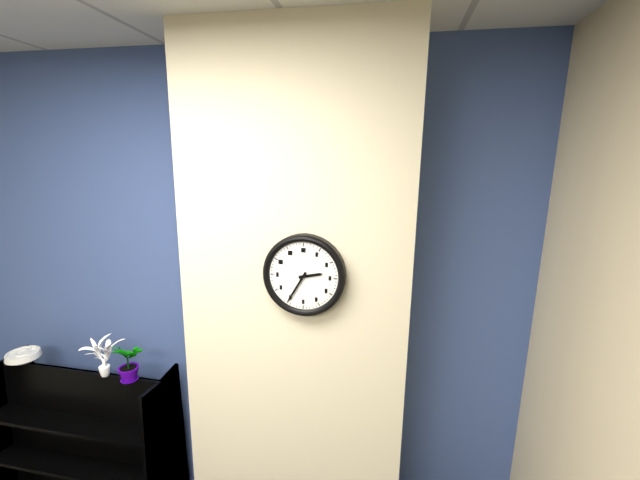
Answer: 2,35
